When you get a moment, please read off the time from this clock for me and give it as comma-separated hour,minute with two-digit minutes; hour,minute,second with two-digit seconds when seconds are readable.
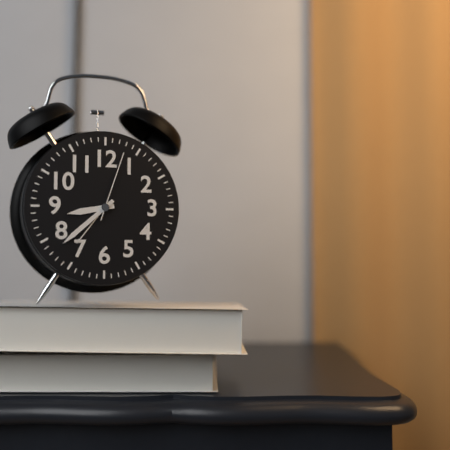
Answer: 8,38,03
